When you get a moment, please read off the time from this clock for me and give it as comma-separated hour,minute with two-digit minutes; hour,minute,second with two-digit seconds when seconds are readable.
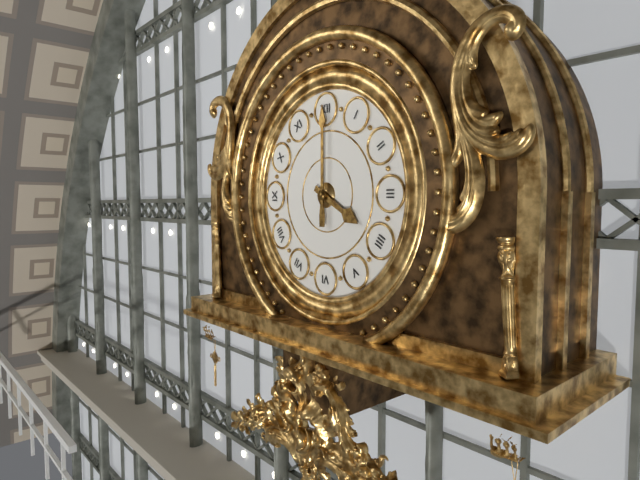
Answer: 4,00
